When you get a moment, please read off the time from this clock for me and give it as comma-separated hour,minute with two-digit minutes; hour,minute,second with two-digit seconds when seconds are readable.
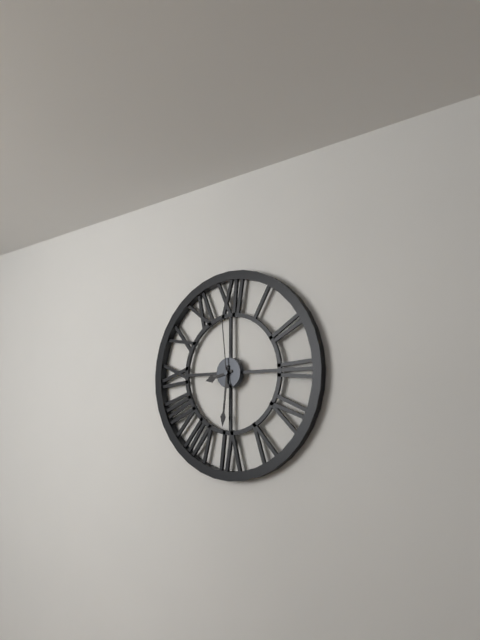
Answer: 8,31,59
